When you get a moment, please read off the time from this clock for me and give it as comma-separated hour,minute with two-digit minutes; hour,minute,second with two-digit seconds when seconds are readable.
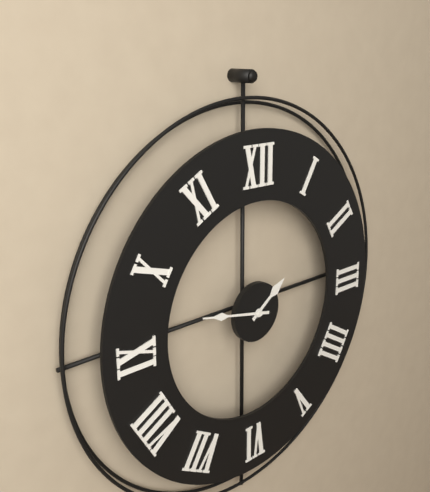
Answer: 1,47
